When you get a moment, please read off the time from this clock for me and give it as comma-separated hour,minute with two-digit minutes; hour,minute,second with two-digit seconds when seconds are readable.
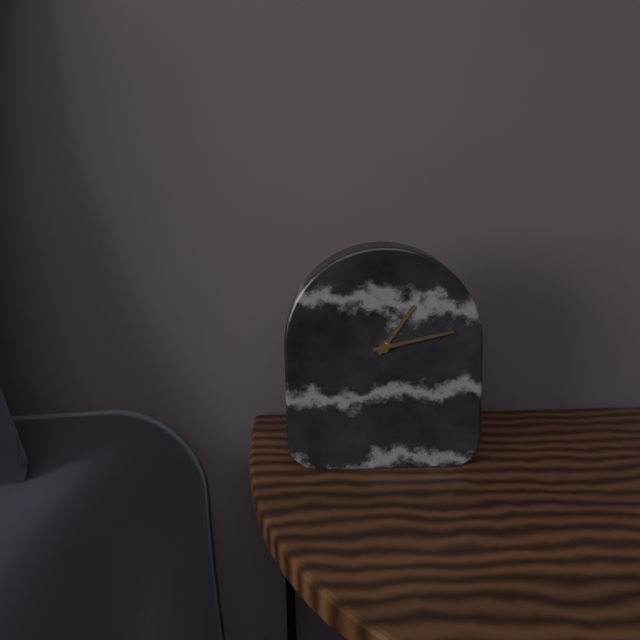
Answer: 1,13
